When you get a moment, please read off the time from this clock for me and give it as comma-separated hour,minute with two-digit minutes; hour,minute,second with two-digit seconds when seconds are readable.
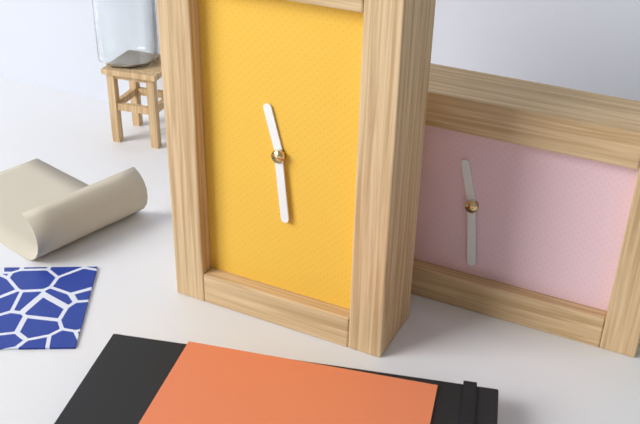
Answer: 11,29
